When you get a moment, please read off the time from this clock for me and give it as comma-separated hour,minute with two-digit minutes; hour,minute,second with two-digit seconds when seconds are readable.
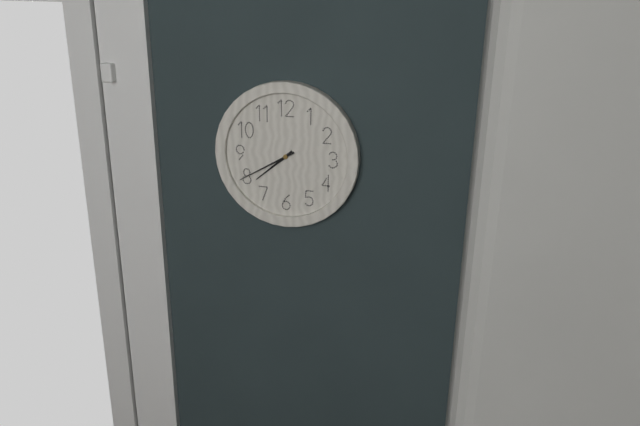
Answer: 7,40
